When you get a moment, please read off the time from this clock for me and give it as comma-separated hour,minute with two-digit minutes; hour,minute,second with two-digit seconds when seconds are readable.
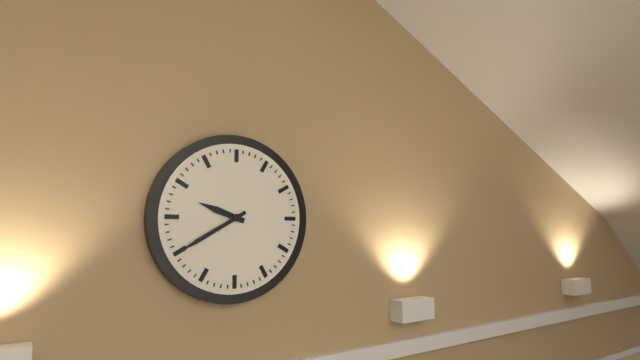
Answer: 9,40
